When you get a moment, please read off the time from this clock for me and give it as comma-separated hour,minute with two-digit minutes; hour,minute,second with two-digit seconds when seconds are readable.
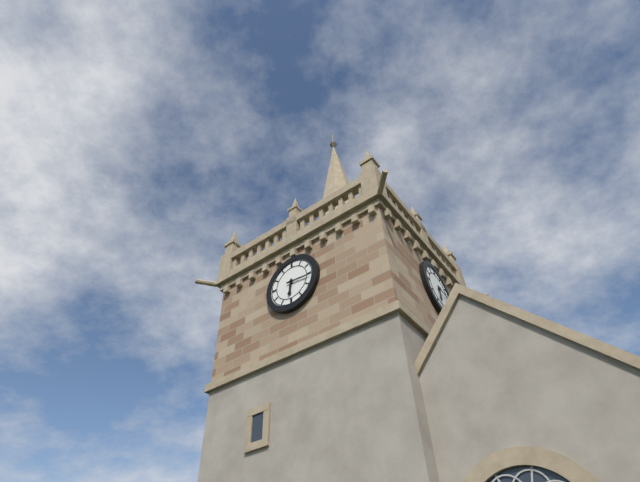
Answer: 6,16
